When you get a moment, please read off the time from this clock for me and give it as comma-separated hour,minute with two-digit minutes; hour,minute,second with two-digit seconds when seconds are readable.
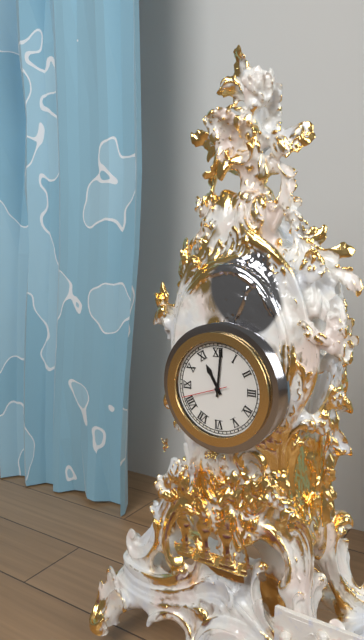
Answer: 11,01
